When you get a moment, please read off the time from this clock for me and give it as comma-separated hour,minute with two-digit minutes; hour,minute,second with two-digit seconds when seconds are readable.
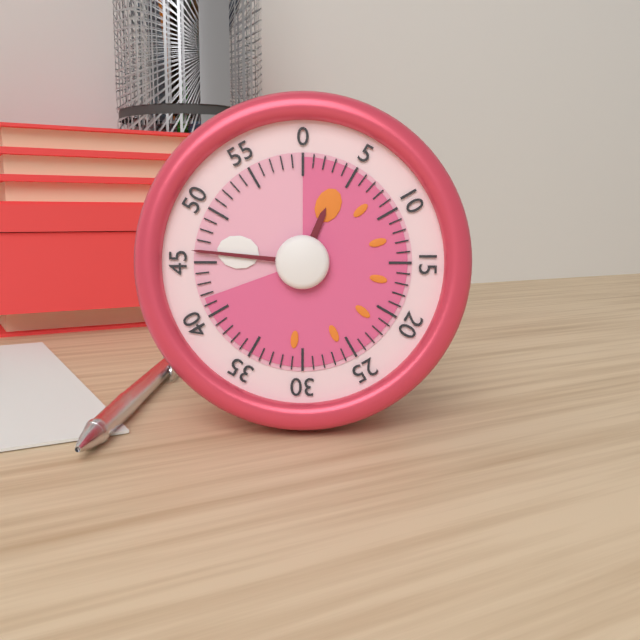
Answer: 12,46
